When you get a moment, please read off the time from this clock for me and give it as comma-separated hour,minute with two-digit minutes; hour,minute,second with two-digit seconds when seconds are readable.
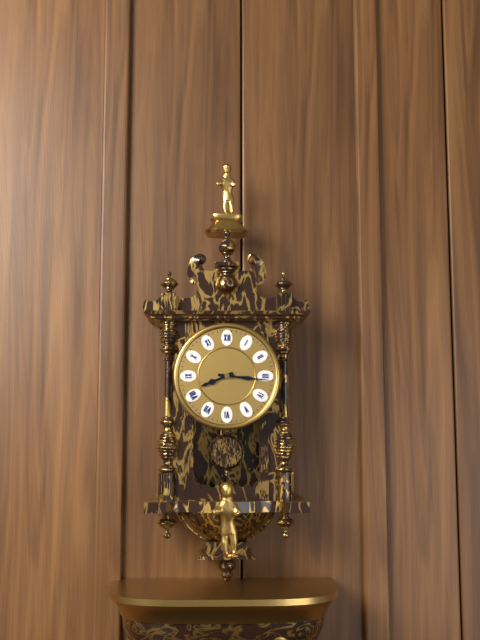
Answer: 8,16
